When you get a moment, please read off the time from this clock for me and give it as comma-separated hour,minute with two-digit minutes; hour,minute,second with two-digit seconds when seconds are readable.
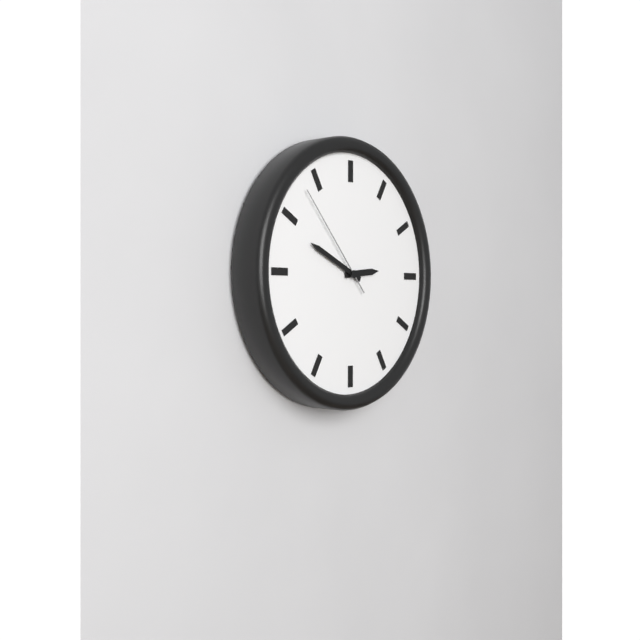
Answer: 2,49,53
